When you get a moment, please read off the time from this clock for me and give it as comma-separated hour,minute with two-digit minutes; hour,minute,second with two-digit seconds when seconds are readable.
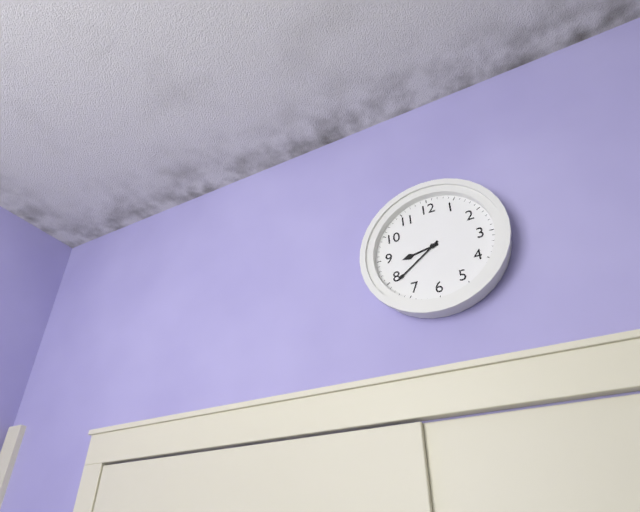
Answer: 8,39
